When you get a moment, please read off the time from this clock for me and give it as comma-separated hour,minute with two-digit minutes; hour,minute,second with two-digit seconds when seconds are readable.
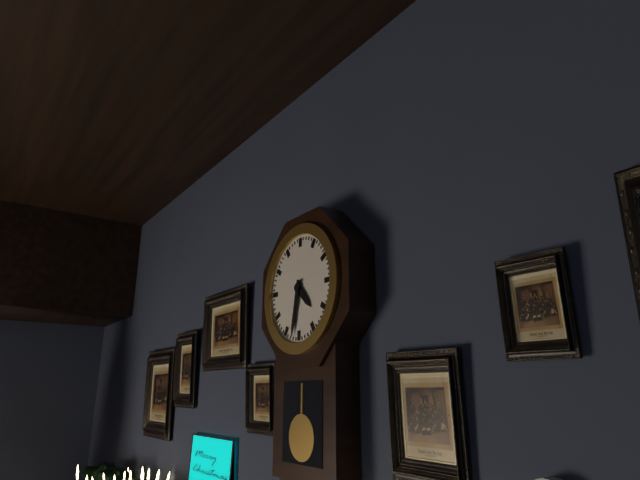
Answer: 4,32
